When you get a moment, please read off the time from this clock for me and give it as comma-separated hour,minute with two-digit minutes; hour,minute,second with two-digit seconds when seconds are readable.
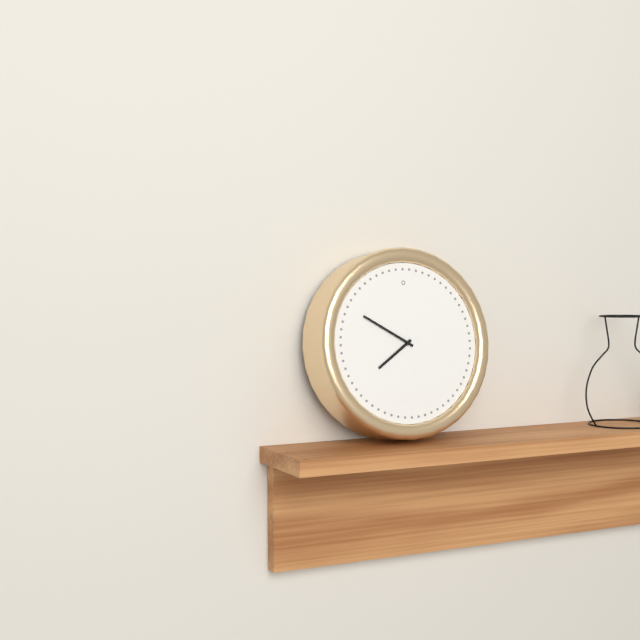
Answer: 7,50
